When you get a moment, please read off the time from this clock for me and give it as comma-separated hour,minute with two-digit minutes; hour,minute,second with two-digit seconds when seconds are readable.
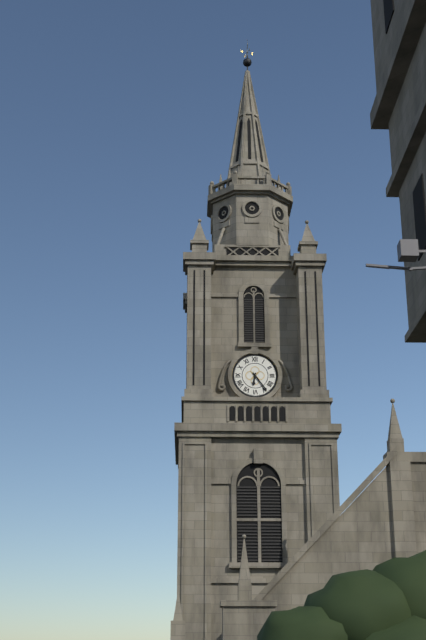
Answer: 6,24
